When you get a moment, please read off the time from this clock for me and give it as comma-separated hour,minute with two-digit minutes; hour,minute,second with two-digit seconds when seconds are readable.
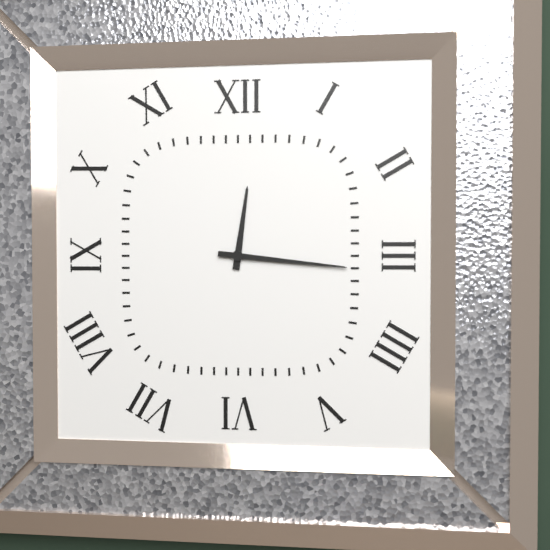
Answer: 12,16
